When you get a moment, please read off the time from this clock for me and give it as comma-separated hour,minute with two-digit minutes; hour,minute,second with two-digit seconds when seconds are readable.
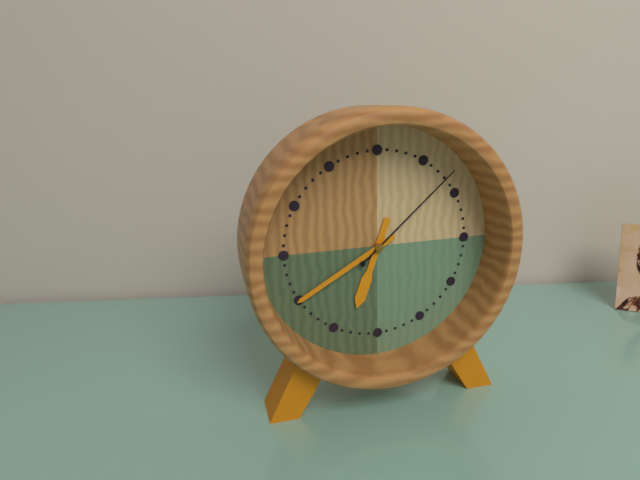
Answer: 6,40,08
